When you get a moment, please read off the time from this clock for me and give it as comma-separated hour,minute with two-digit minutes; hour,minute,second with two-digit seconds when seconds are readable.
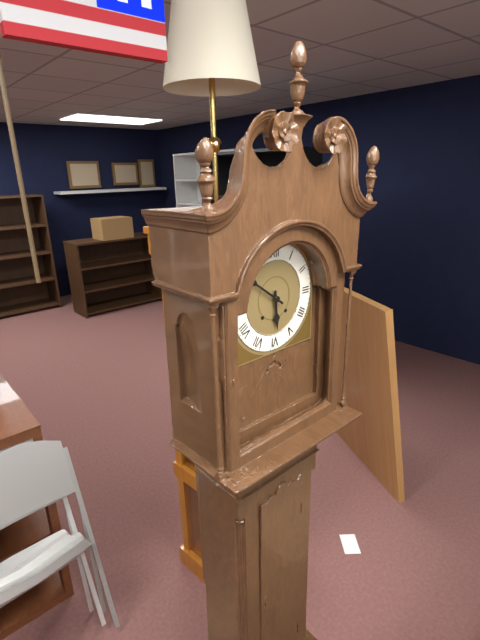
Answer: 5,51
